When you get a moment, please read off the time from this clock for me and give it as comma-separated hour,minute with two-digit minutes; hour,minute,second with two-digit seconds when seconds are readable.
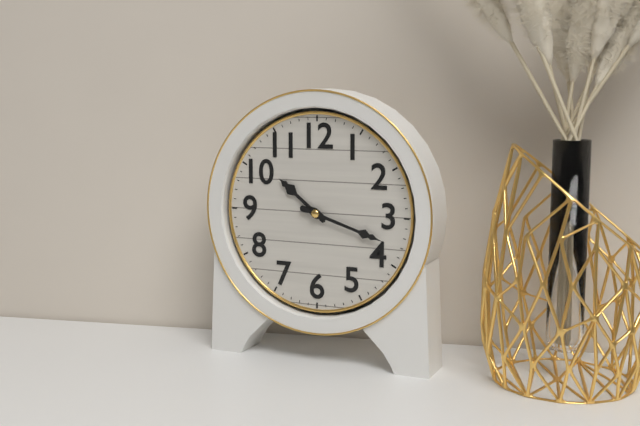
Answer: 10,18
